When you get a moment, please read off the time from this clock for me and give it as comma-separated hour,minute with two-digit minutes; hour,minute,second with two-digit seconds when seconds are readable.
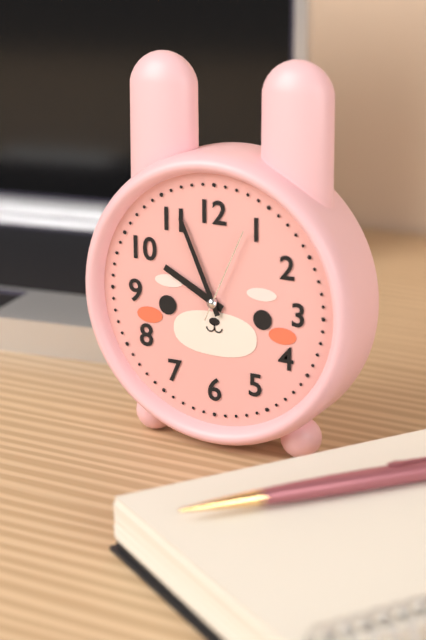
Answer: 9,56,04
